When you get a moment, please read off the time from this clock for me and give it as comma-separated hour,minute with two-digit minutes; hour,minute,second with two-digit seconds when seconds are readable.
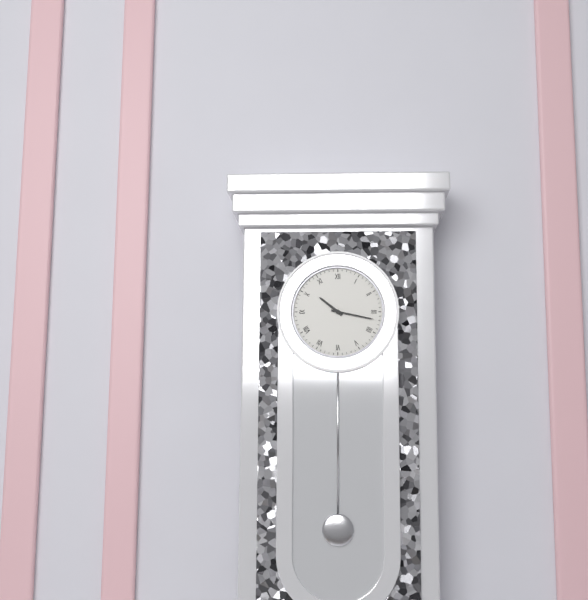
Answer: 10,17
